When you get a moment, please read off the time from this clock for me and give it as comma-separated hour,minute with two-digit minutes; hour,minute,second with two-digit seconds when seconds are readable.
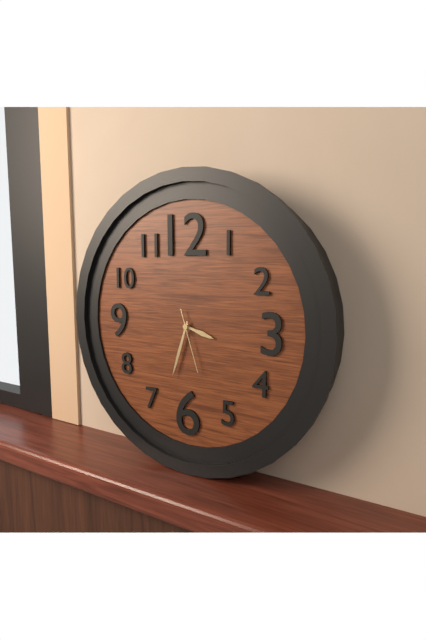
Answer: 3,33,27
